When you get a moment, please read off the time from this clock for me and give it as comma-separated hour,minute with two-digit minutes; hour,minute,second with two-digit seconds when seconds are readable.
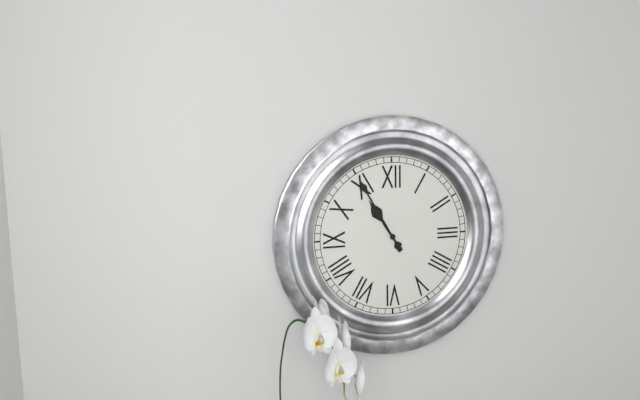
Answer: 10,55
